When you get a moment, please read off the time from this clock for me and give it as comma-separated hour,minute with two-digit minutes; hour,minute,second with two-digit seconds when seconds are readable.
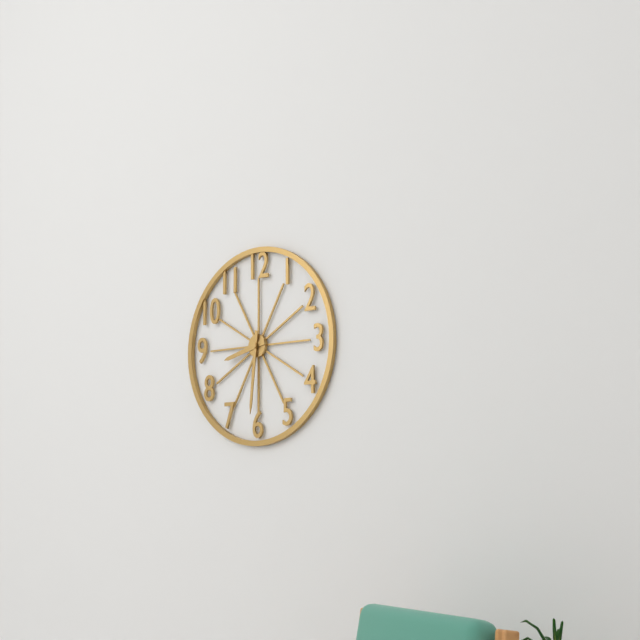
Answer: 8,31
